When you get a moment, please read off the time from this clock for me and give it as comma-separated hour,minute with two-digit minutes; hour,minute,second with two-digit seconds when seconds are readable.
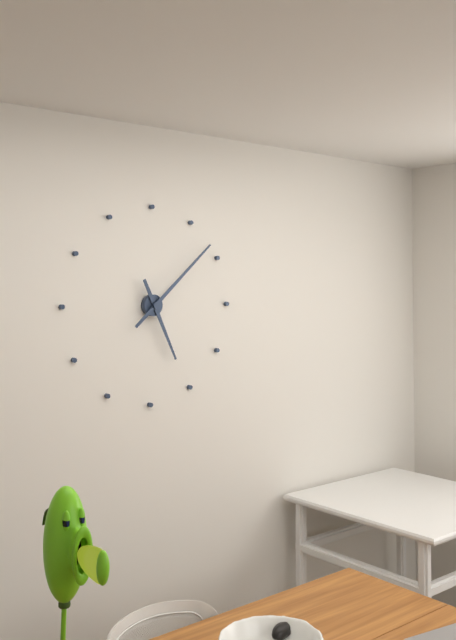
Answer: 5,08
